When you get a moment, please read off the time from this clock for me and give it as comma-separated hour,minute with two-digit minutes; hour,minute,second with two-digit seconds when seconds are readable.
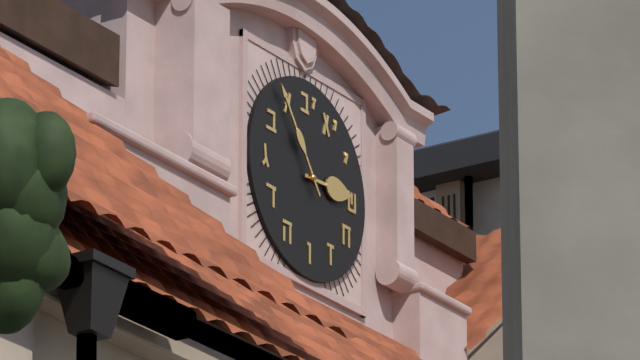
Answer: 2,54
